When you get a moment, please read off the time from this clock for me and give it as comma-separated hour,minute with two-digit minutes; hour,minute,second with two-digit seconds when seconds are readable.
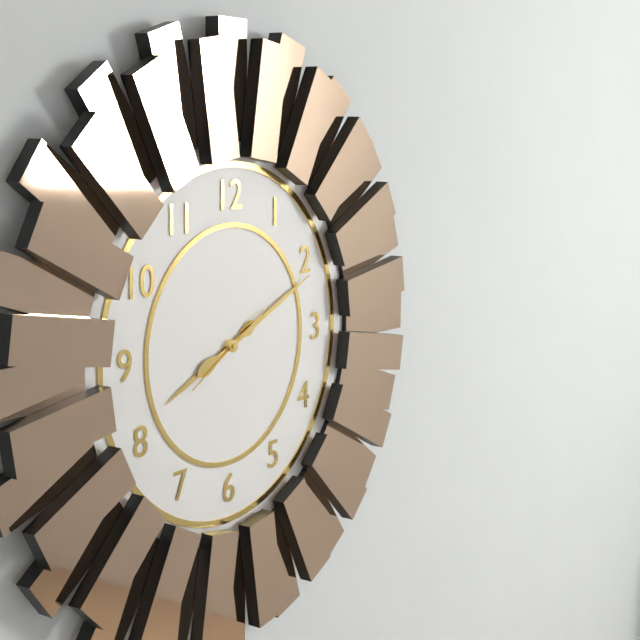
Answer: 8,11,40
